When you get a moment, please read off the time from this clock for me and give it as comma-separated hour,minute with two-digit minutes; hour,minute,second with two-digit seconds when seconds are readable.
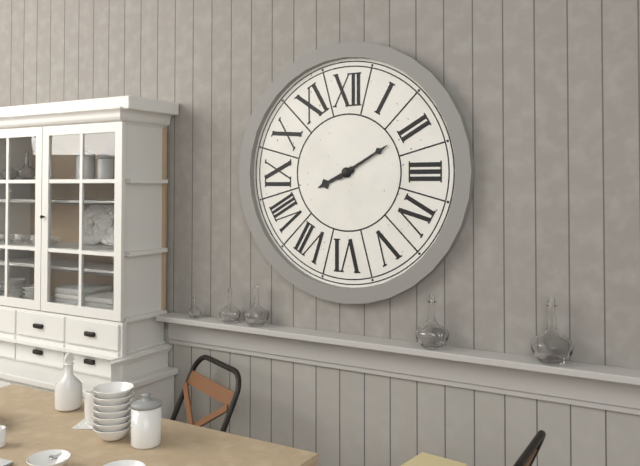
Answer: 8,10
